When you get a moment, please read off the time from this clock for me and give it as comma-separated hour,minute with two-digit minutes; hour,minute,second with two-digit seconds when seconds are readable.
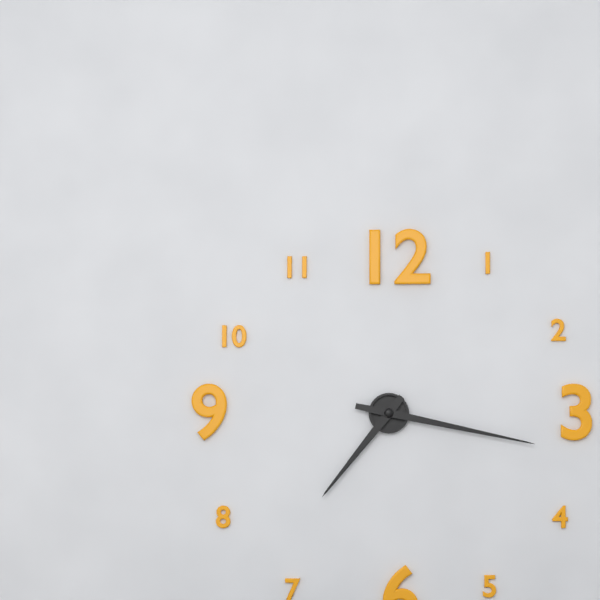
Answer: 7,17
